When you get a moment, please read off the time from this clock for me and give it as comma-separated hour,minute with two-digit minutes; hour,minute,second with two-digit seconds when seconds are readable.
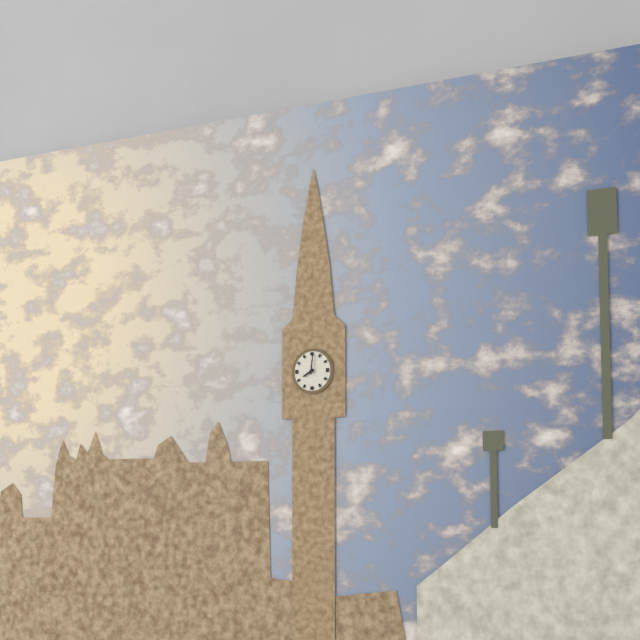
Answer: 8,01
